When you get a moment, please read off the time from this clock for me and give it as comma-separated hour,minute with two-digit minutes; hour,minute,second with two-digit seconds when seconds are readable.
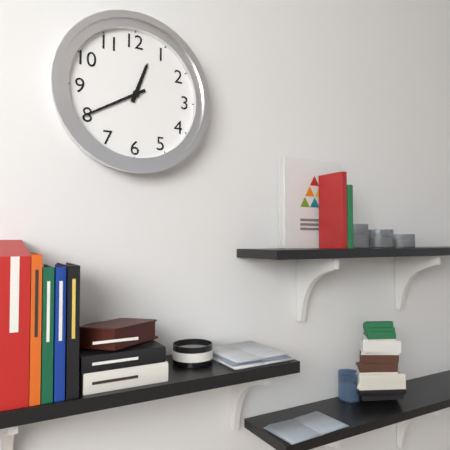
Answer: 12,40
